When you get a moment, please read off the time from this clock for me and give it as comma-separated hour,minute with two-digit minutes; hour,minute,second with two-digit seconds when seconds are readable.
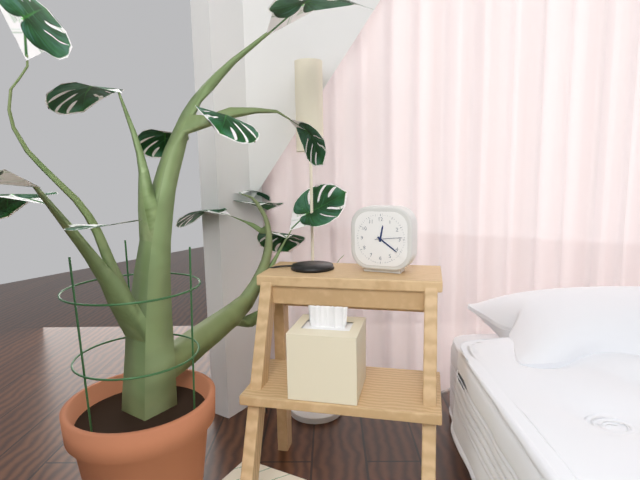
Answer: 12,21
